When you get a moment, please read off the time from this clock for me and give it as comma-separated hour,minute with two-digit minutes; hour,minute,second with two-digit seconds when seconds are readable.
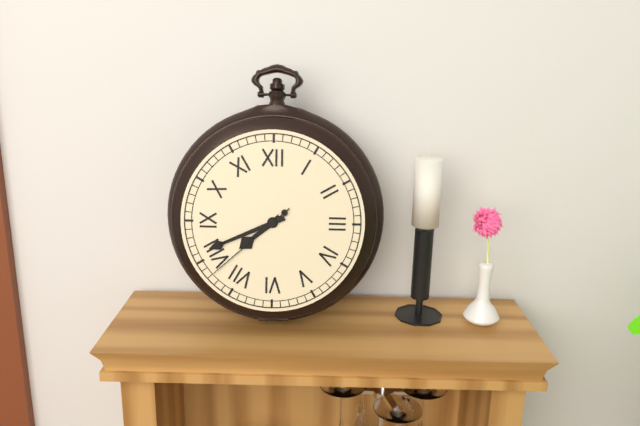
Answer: 7,41,38
